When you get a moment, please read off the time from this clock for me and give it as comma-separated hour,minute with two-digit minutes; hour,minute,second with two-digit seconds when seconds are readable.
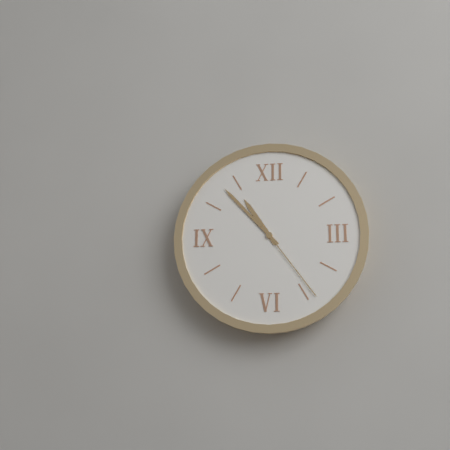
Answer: 10,53,24
